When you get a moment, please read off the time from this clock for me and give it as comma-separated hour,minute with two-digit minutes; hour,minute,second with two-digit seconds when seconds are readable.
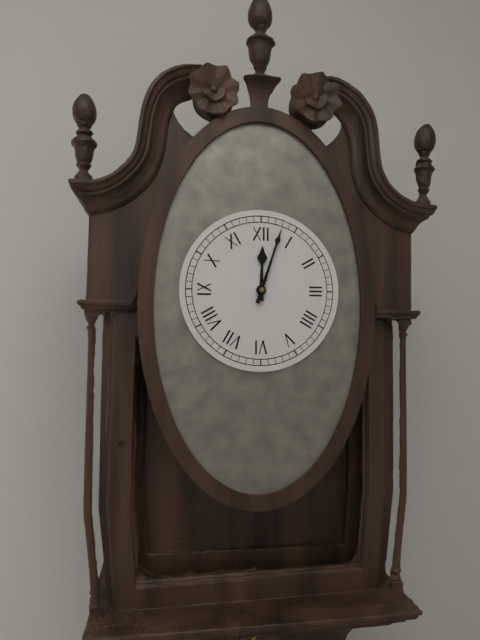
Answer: 12,03
